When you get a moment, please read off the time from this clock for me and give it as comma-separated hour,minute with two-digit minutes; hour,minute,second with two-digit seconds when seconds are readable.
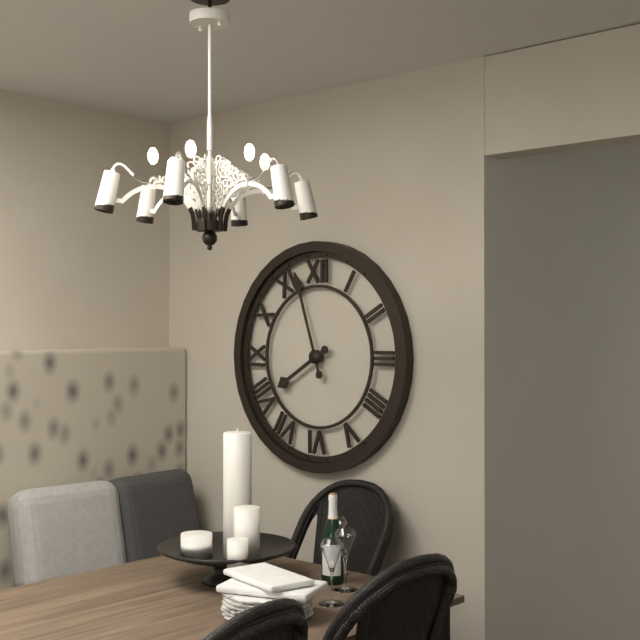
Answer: 7,57
